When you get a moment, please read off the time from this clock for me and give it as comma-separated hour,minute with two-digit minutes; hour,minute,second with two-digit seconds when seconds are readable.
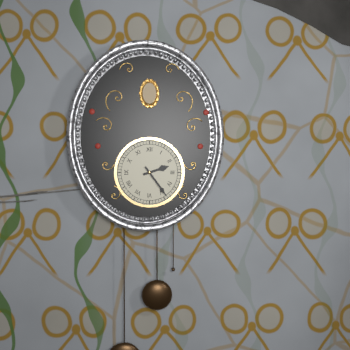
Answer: 2,24
